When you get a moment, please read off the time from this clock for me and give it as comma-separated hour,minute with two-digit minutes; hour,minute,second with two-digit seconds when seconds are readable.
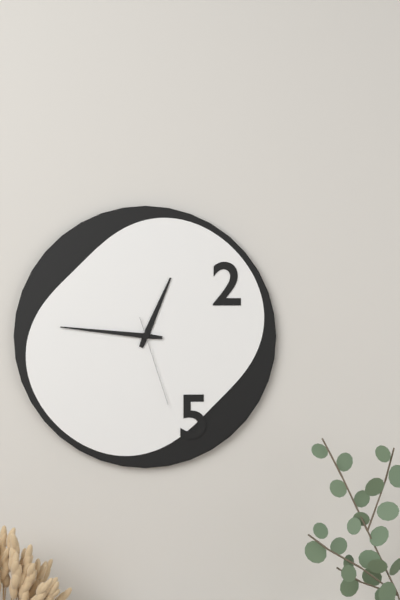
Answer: 12,46,27
